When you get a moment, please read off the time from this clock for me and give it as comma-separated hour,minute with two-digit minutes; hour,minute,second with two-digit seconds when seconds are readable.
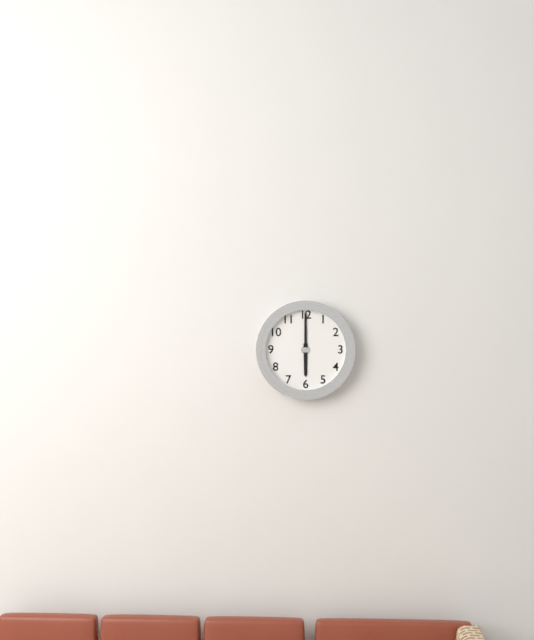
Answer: 6,00
